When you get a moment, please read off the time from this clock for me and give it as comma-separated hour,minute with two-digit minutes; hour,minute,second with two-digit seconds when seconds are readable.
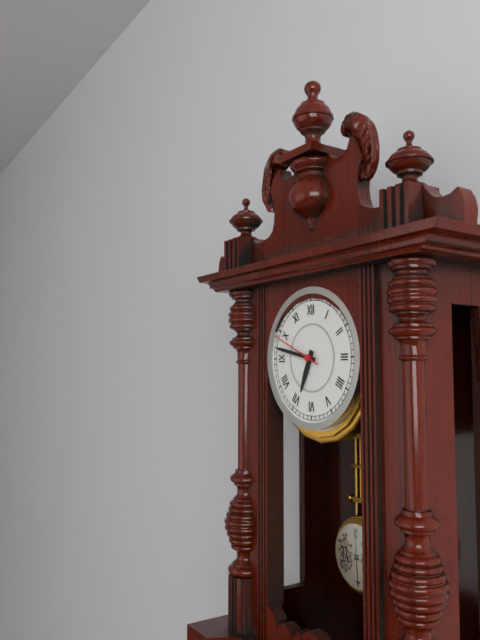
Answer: 6,47,49
